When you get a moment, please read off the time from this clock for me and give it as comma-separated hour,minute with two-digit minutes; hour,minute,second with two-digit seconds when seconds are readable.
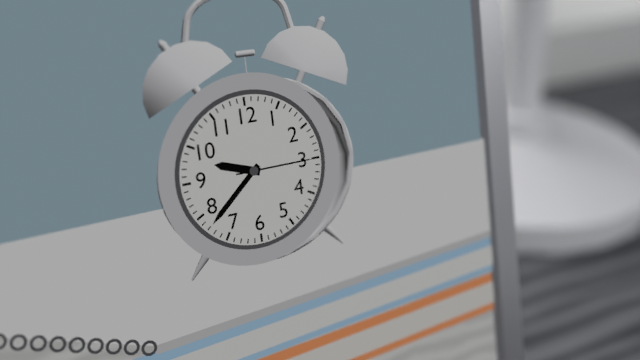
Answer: 9,38,15
